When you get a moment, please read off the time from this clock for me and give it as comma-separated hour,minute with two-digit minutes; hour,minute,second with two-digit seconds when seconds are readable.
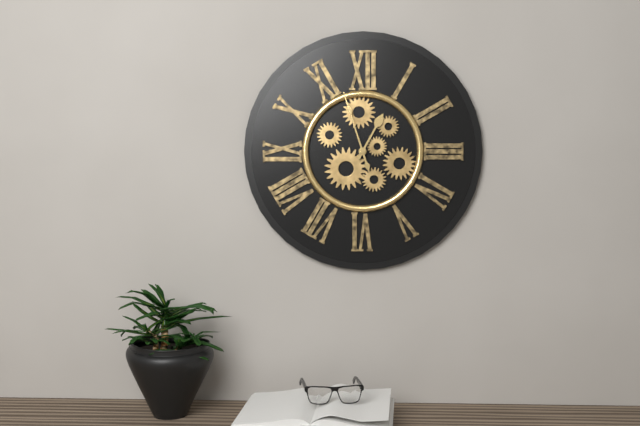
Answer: 12,57
